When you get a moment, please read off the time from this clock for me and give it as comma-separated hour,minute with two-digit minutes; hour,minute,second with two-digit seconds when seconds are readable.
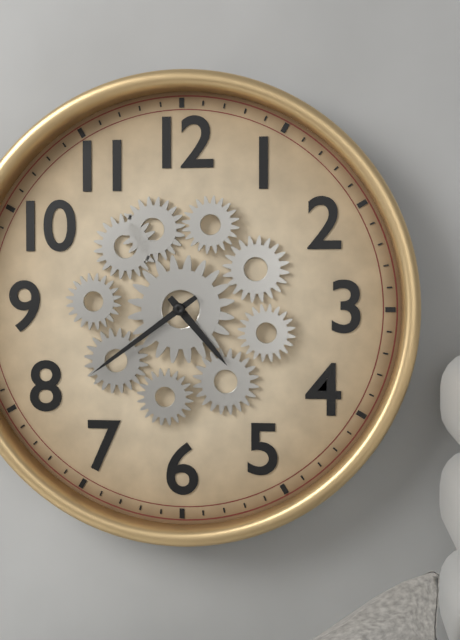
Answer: 4,39
